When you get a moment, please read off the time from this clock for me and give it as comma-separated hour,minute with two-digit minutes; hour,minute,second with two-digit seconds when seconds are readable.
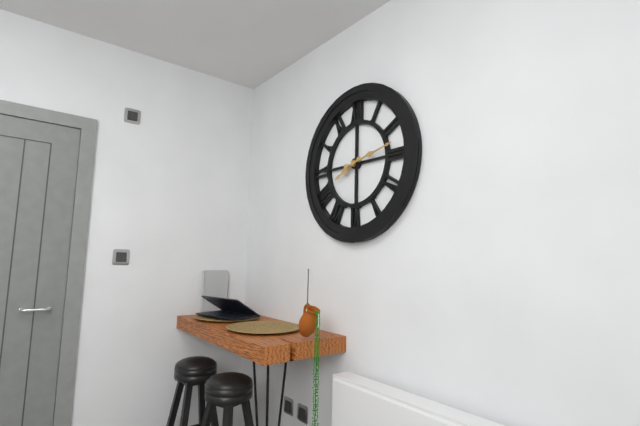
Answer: 8,13
